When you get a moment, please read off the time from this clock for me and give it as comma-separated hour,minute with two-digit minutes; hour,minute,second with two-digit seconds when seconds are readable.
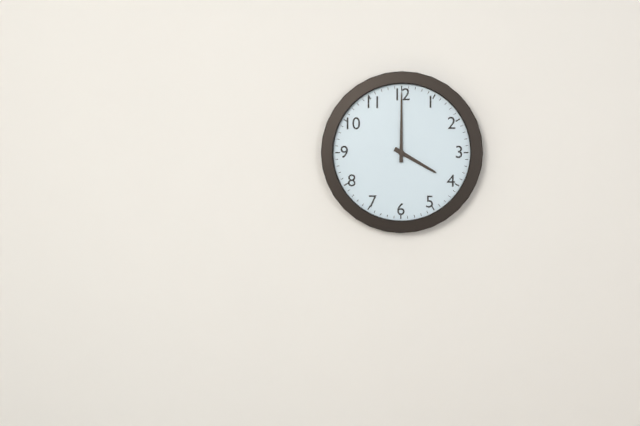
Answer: 4,00
